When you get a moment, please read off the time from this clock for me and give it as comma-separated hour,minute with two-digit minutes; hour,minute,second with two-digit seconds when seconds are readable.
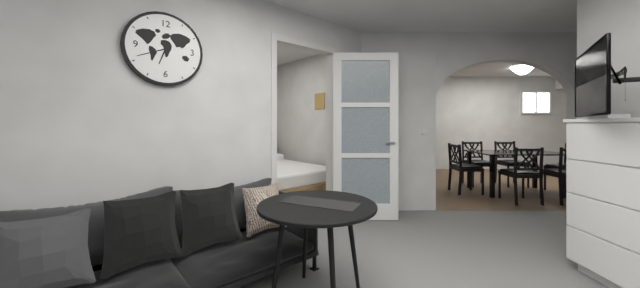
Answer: 6,41
